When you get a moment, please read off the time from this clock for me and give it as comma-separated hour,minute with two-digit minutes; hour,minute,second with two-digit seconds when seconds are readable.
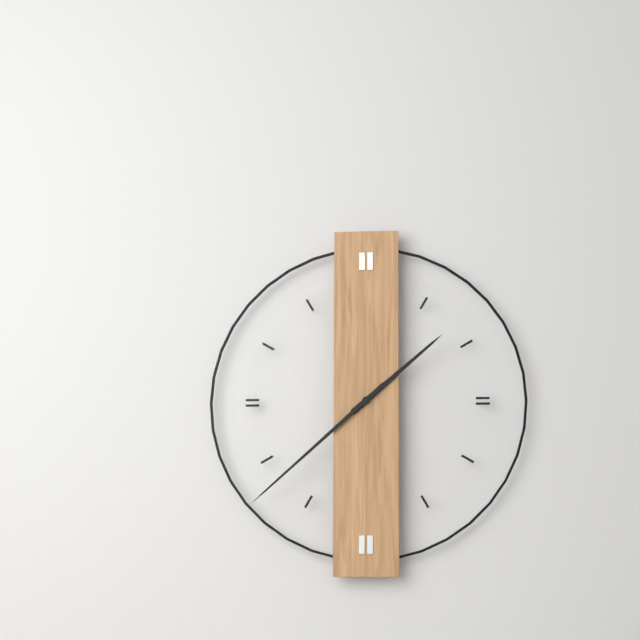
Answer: 1,38
